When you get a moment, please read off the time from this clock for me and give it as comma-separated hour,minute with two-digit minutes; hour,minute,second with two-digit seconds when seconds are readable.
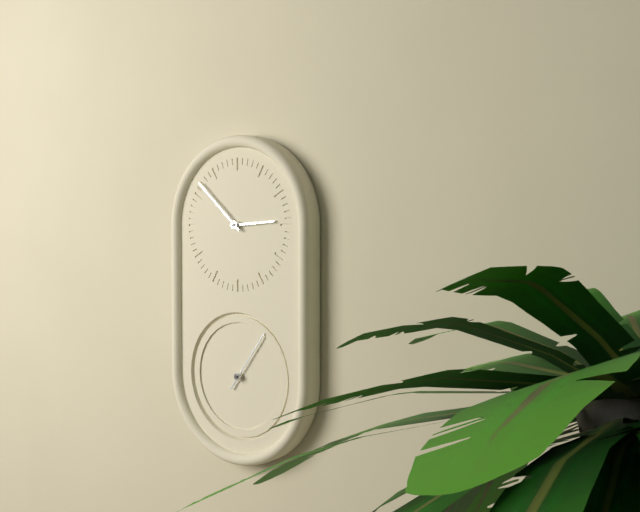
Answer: 2,52,06
